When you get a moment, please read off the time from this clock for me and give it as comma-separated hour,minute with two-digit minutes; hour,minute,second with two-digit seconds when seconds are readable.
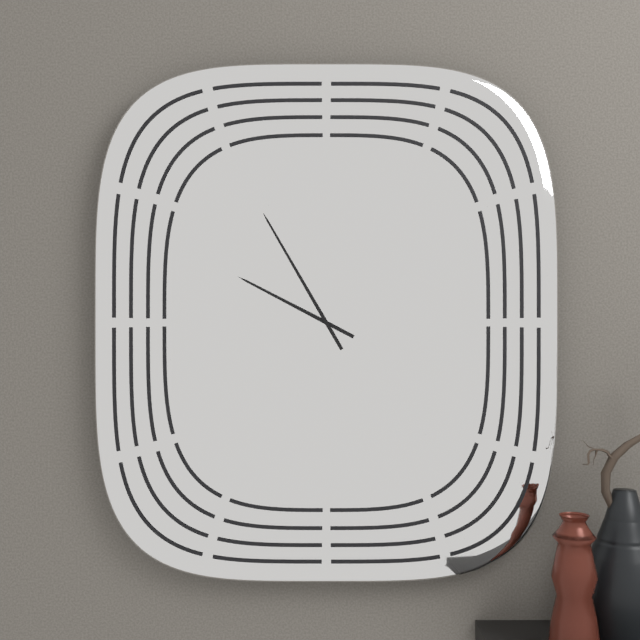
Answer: 9,55
